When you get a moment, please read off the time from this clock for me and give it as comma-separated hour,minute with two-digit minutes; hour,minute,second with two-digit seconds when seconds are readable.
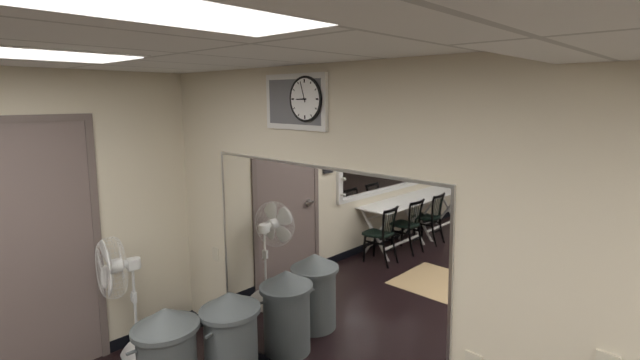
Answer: 8,57
